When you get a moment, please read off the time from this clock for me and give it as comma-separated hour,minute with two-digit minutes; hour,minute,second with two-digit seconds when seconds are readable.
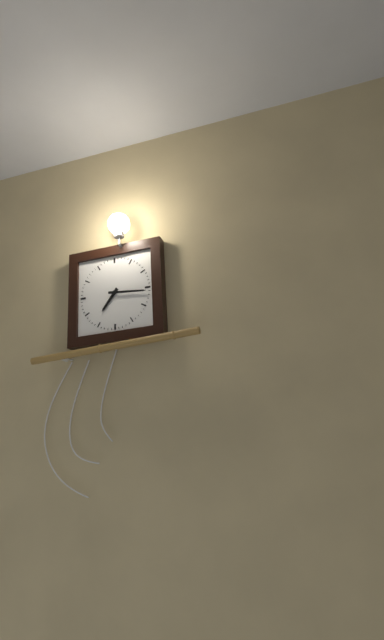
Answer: 7,16
